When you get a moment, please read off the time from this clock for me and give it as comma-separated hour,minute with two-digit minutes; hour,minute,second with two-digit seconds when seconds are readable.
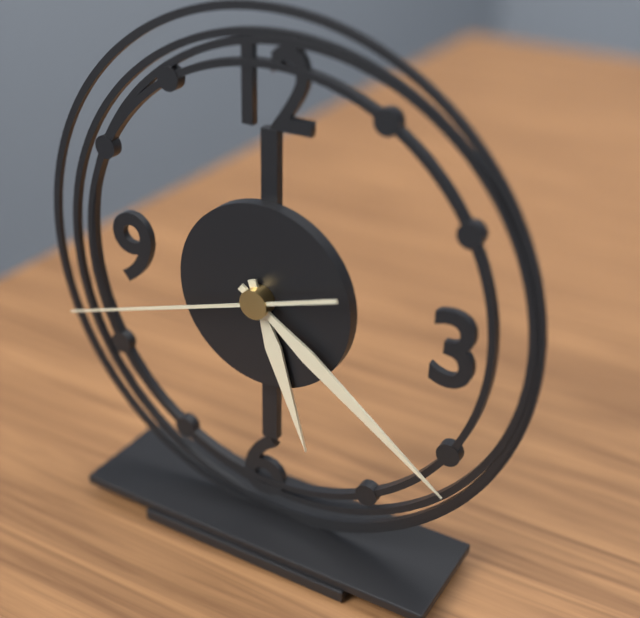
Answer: 5,21,42
